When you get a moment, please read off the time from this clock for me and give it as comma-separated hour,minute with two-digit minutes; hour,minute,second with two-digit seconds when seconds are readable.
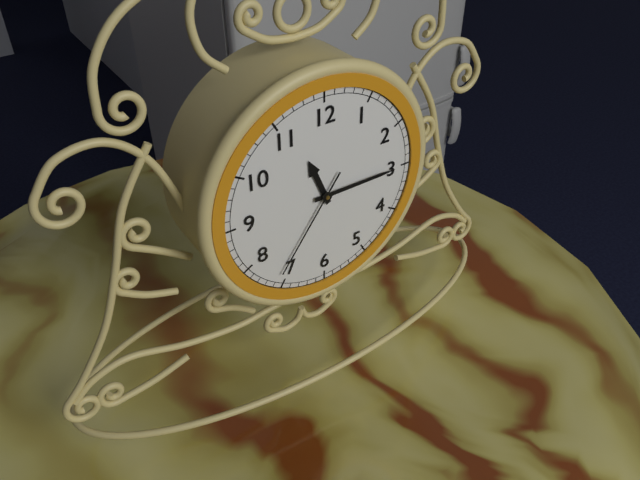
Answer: 11,15,36
